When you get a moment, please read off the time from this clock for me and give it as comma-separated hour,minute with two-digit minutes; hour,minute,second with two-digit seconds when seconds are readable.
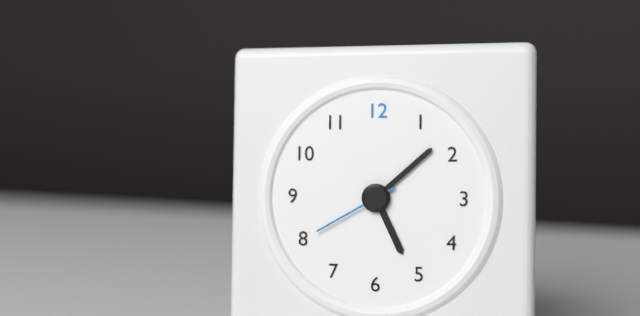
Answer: 5,08,40
